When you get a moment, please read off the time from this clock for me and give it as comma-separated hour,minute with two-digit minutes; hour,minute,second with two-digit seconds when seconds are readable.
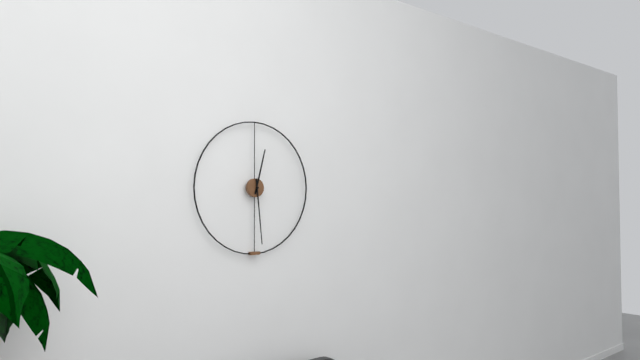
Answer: 12,29
